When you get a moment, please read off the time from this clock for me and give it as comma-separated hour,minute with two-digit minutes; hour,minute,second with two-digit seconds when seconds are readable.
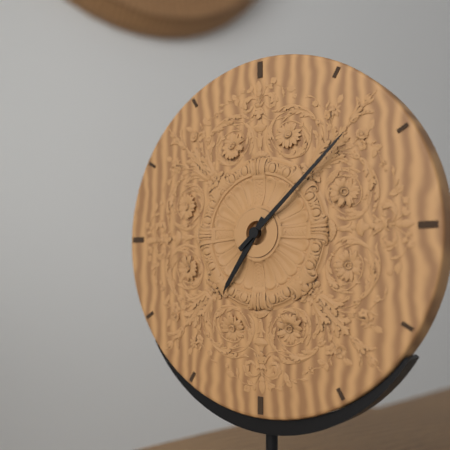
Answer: 7,08
